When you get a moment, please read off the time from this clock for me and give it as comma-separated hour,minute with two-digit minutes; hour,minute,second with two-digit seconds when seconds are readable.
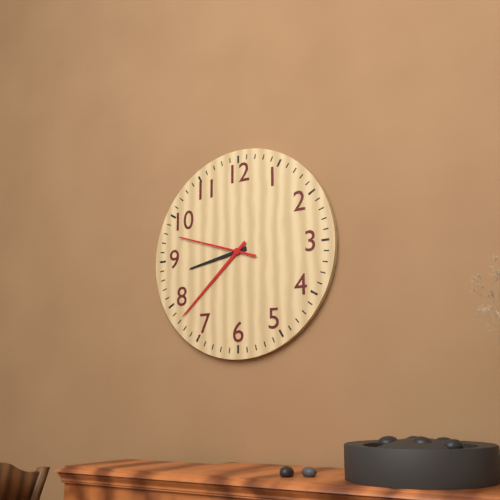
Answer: 8,38,48
